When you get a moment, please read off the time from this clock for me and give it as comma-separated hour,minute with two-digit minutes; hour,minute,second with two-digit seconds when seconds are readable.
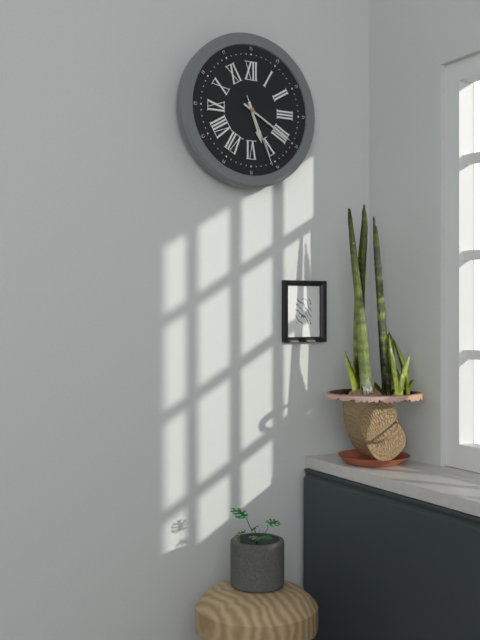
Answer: 5,20,26
